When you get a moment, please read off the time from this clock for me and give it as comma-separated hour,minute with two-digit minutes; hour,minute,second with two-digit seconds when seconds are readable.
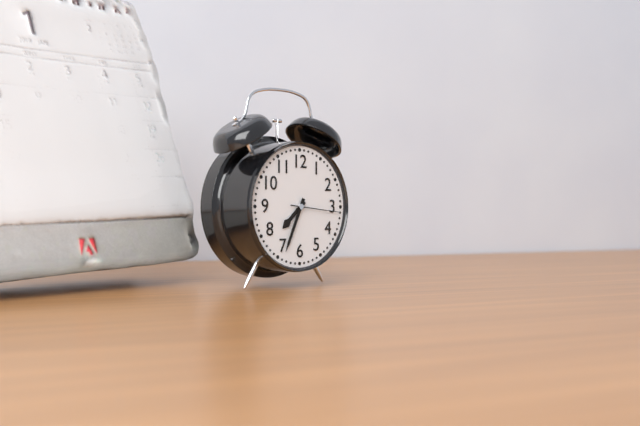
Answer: 7,34
